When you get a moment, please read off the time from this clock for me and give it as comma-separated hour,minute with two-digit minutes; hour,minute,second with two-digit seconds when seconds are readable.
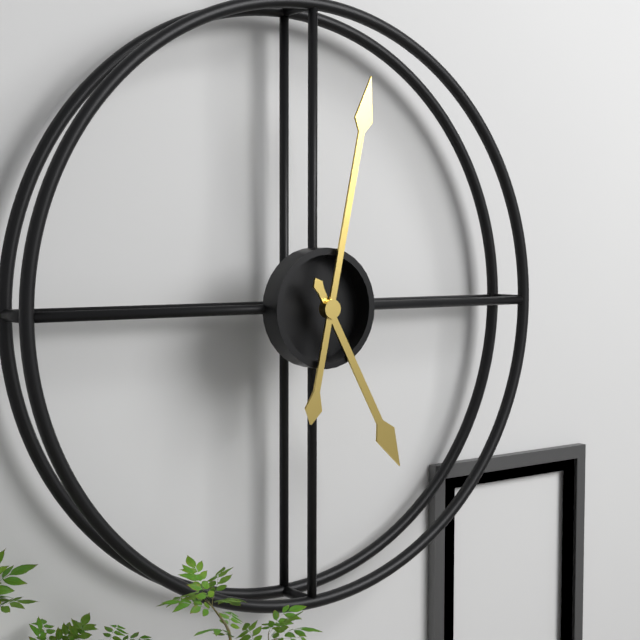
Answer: 5,02
